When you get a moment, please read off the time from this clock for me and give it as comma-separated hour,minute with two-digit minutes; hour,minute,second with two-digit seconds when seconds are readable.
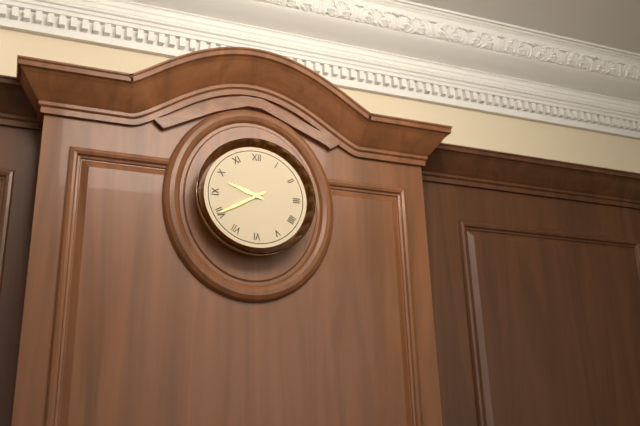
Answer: 9,40
